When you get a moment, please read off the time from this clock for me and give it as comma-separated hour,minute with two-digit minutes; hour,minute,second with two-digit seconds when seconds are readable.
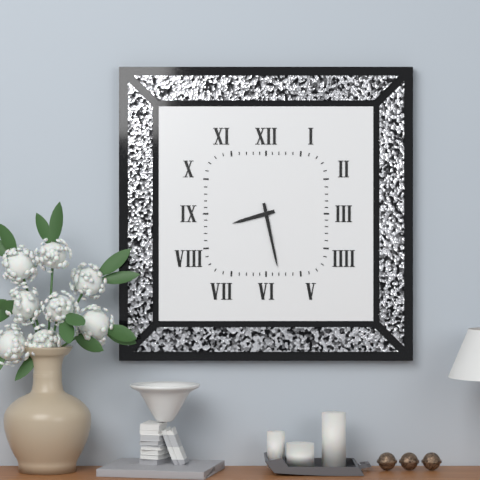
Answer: 8,28
